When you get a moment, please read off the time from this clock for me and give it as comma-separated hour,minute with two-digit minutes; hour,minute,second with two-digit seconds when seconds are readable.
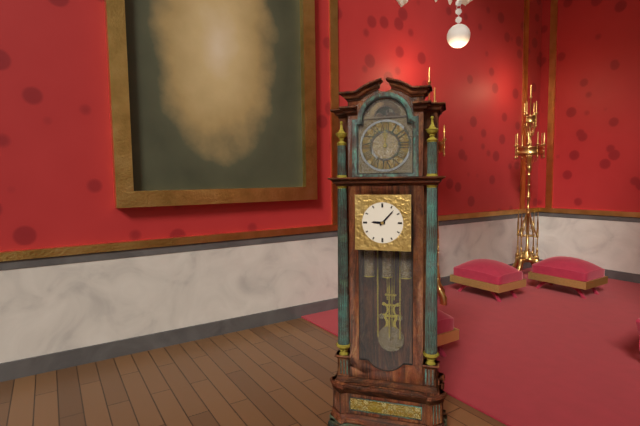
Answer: 9,07
